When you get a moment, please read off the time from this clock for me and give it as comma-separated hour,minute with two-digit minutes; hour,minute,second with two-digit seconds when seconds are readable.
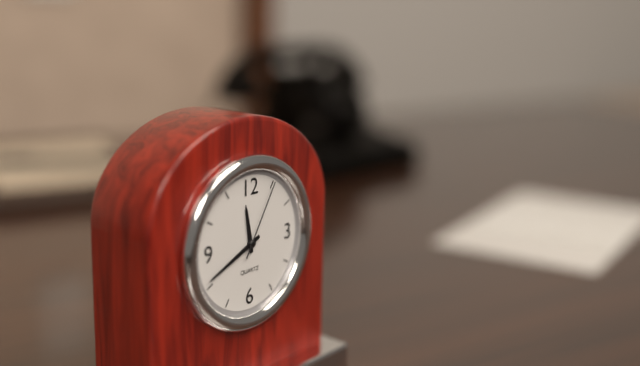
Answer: 11,41,05
